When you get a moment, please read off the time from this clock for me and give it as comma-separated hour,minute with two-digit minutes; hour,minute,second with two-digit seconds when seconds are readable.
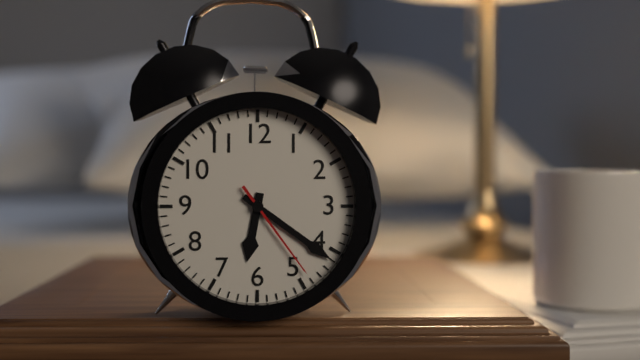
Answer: 6,21,24
